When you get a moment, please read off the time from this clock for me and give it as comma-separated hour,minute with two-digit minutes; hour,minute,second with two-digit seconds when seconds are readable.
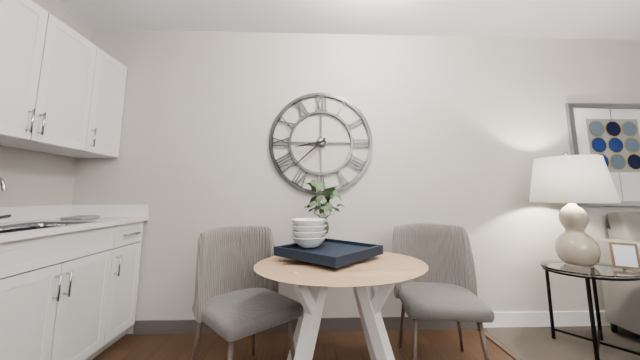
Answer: 8,38
